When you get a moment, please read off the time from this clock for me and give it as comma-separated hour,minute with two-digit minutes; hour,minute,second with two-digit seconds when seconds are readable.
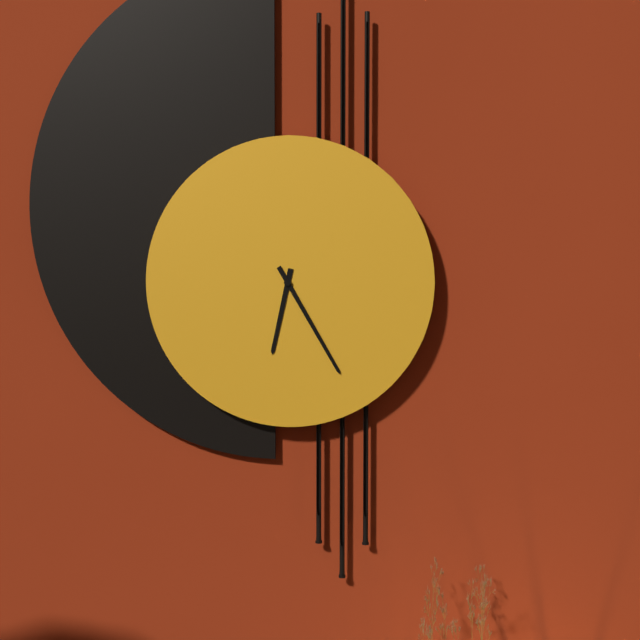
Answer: 6,25
